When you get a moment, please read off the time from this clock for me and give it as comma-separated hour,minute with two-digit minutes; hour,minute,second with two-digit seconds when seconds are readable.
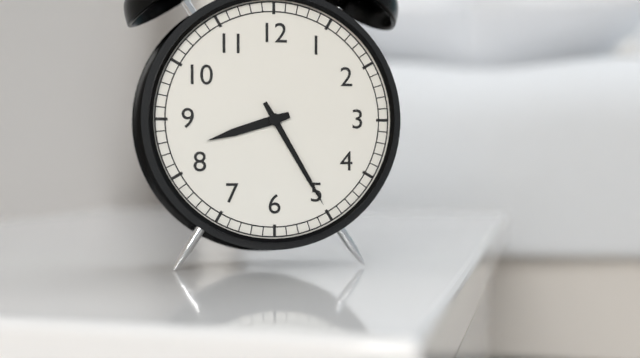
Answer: 8,25
